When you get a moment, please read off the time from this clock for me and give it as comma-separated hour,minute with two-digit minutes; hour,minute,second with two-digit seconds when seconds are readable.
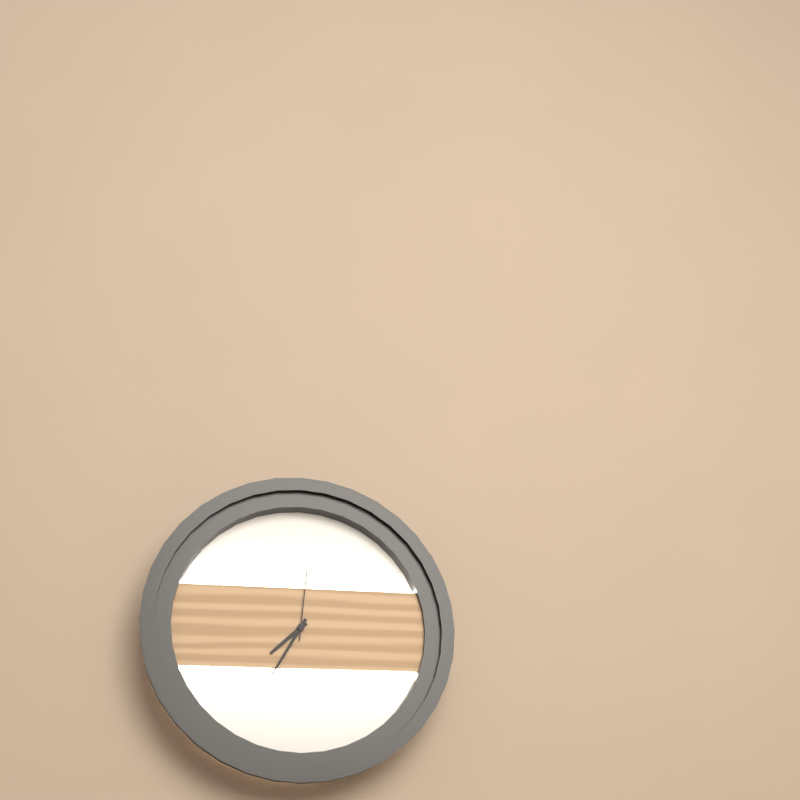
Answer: 7,35,01
